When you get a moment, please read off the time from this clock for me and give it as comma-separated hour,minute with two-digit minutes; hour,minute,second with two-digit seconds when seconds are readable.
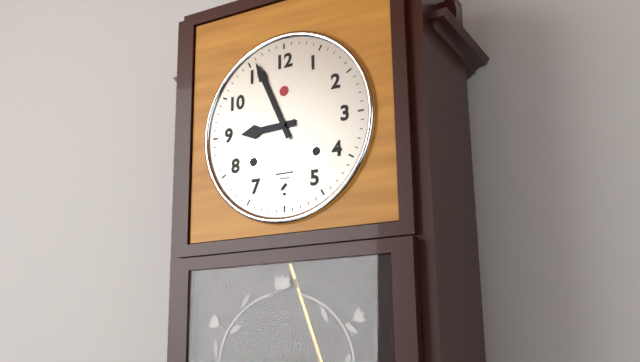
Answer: 8,56
